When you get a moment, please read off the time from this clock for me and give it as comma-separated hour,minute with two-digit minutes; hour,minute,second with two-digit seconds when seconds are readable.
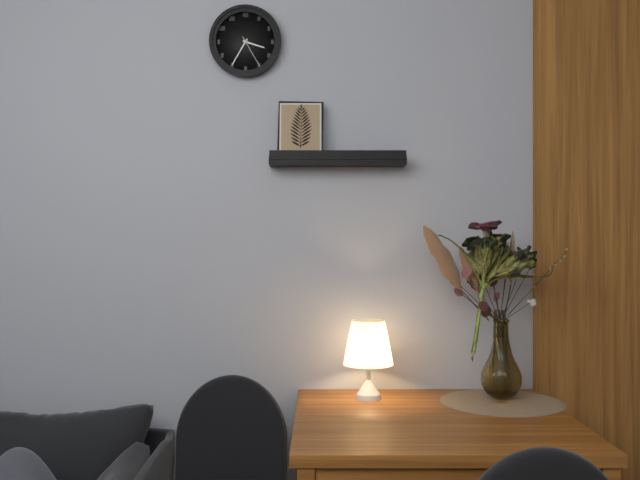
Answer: 3,35
